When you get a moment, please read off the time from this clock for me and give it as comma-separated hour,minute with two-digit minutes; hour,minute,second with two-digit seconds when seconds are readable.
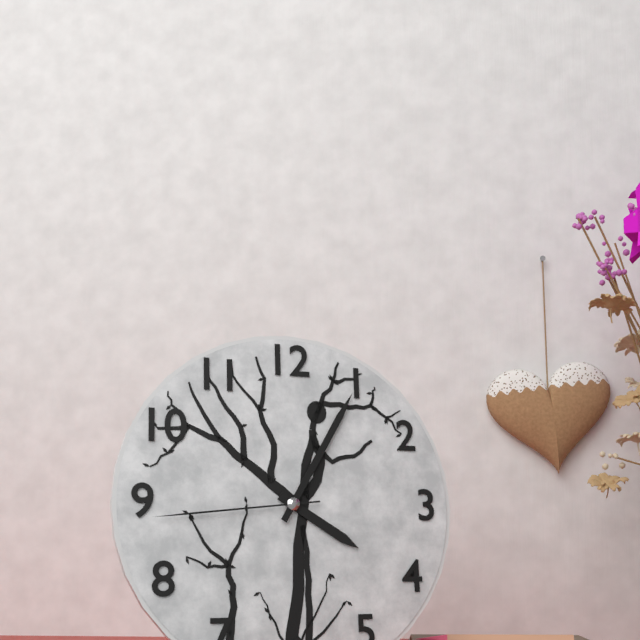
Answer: 4,05,44
